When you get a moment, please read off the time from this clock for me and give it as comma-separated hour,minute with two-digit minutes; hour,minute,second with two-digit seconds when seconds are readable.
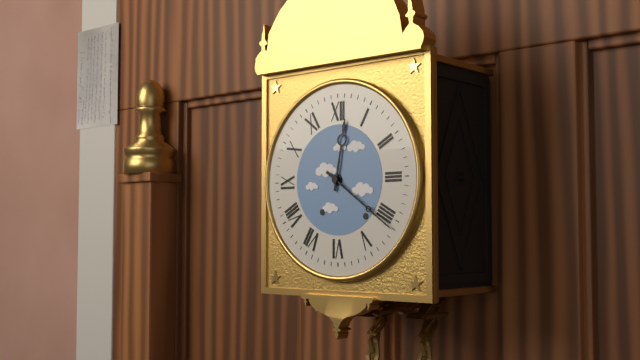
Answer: 12,21
